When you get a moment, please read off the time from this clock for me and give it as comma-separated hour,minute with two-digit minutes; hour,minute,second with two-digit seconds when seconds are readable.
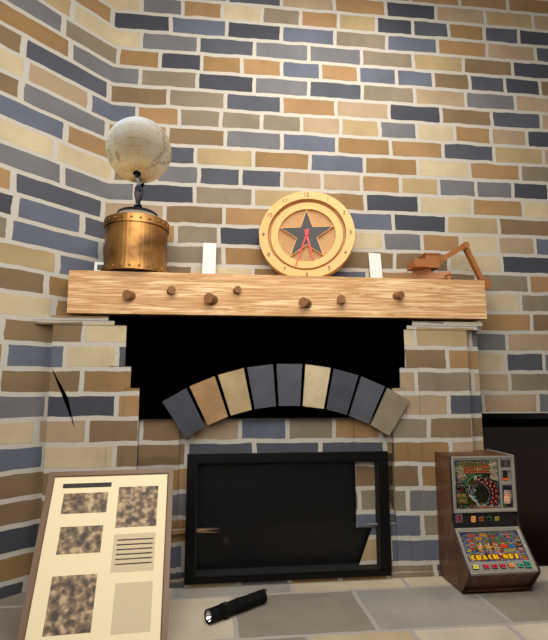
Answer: 5,33
